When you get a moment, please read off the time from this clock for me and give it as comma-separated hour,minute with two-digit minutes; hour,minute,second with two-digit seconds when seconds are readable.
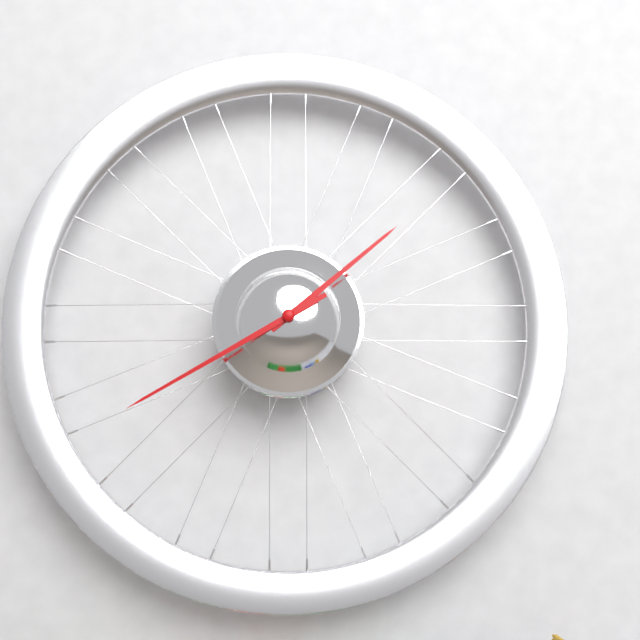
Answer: 1,40
